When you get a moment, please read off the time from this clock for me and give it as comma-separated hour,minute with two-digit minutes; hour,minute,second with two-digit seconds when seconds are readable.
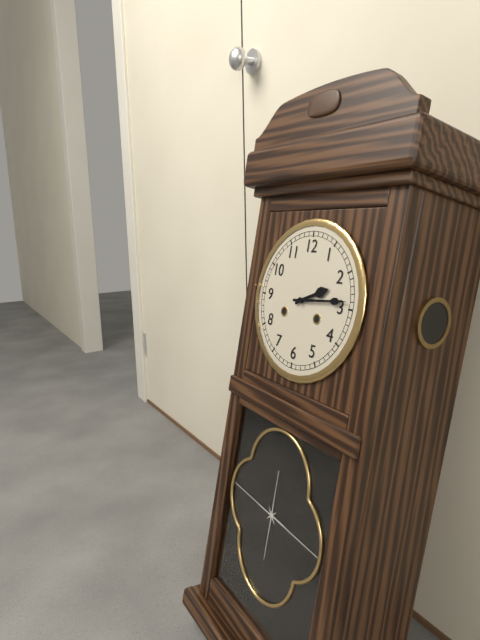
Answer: 2,14
